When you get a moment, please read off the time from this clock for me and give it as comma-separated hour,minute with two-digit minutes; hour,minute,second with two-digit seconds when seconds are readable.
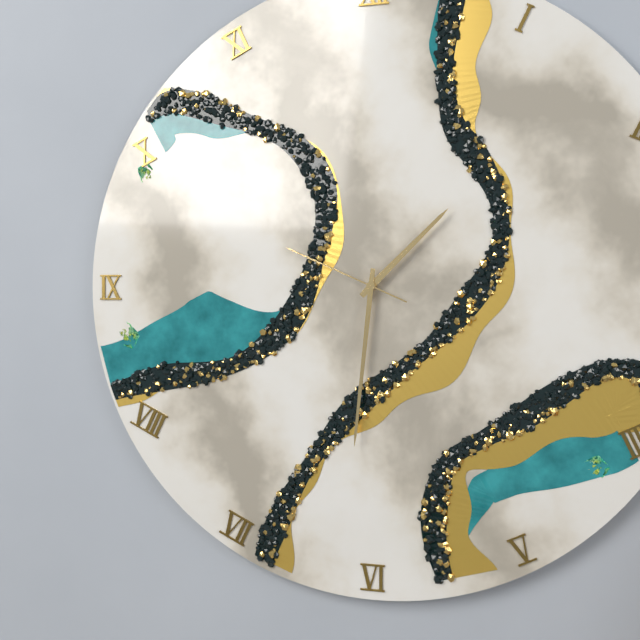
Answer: 1,31,49
